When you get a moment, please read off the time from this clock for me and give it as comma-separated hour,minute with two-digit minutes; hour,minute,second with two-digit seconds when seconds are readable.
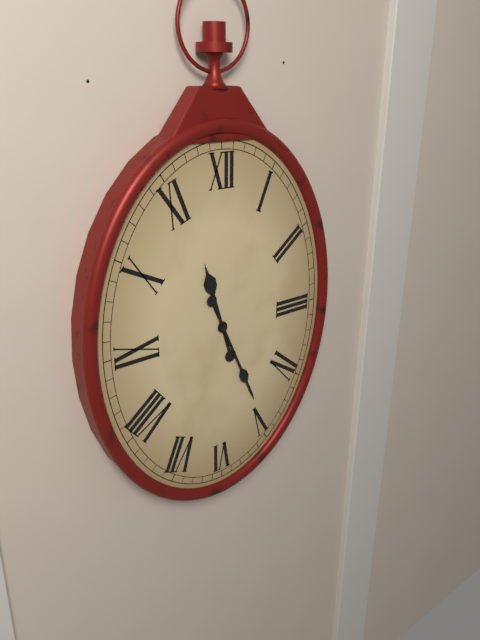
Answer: 11,26
